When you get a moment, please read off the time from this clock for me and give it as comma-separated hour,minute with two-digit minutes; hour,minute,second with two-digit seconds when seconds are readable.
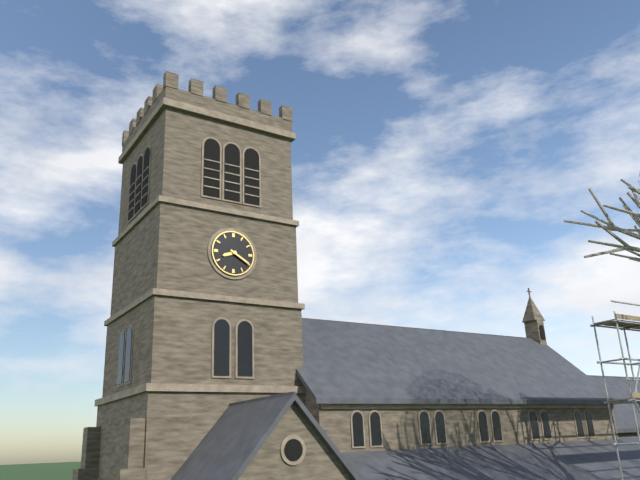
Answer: 8,20
